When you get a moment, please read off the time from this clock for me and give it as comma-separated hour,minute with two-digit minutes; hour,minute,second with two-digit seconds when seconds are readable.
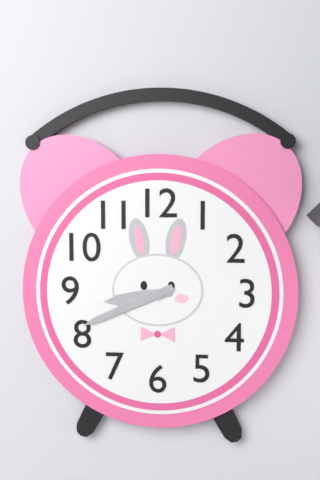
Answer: 8,41
